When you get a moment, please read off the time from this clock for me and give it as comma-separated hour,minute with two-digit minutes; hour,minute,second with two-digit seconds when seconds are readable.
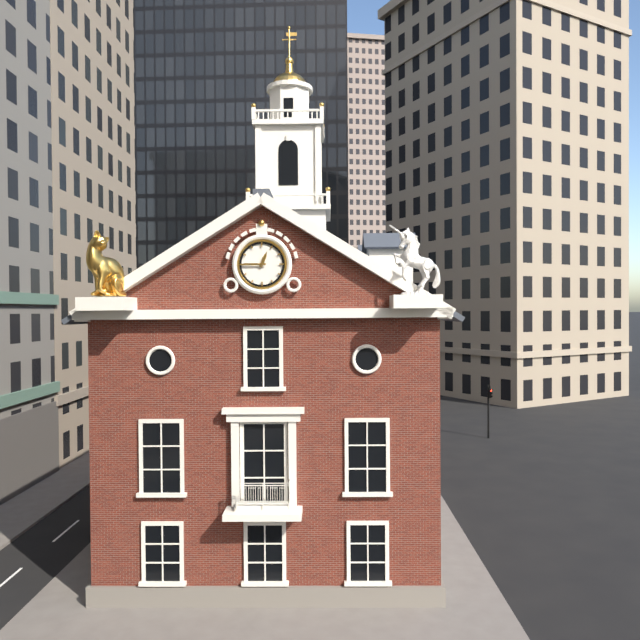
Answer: 12,45
